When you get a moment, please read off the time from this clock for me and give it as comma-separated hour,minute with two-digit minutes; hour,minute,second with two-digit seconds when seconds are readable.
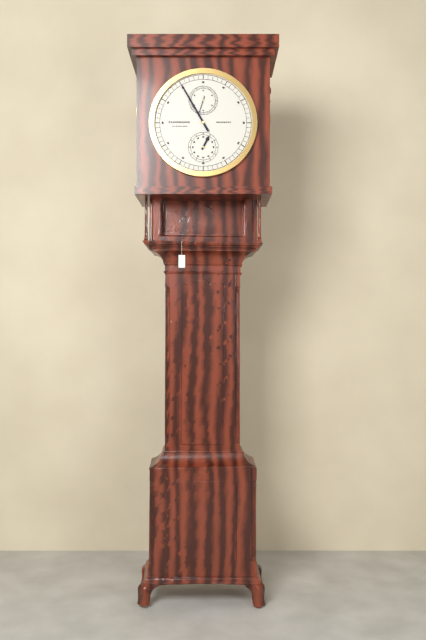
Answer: 12,55
